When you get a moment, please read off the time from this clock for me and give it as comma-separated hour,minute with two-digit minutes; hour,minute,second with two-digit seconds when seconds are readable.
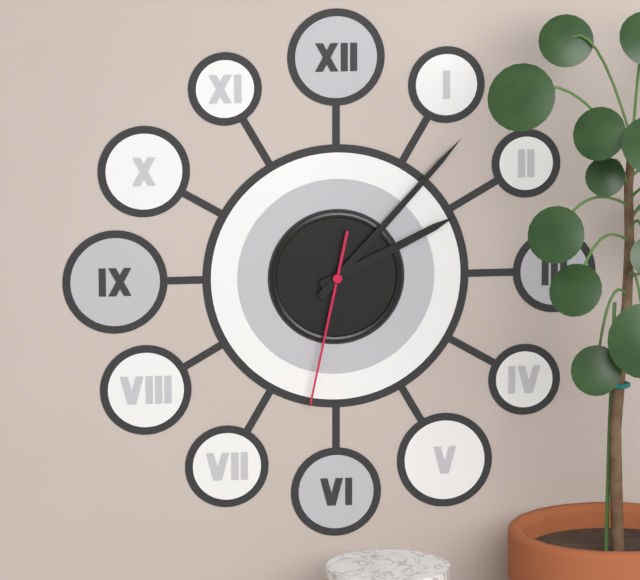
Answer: 2,07,32
